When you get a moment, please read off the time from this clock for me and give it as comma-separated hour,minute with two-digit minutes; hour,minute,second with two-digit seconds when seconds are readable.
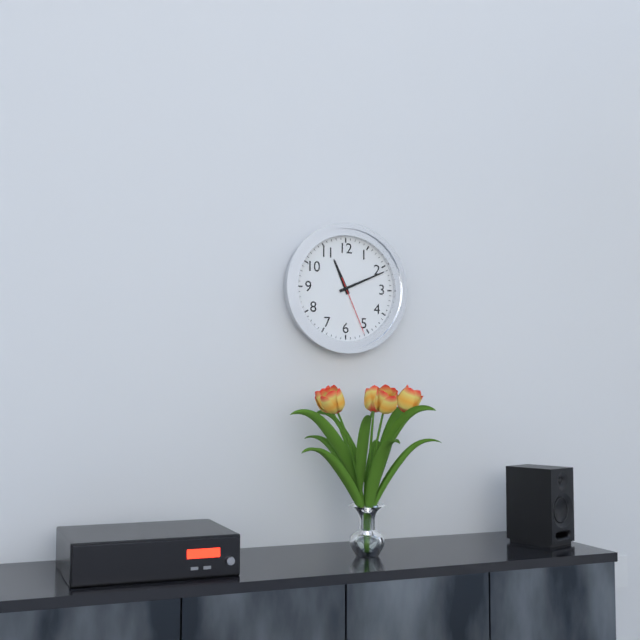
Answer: 11,11,26
